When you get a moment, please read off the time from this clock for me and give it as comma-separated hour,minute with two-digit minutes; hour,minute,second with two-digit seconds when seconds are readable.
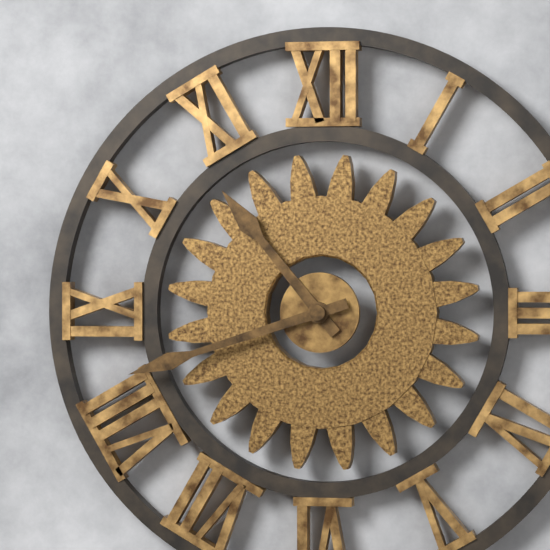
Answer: 10,42
